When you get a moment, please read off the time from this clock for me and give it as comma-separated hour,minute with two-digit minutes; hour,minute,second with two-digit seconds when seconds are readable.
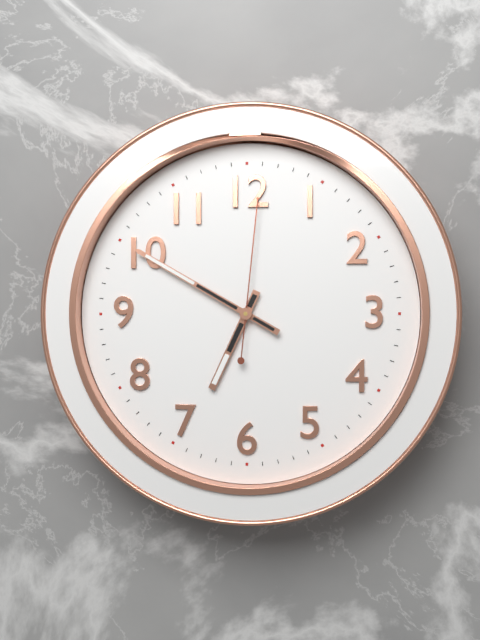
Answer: 6,50,01
